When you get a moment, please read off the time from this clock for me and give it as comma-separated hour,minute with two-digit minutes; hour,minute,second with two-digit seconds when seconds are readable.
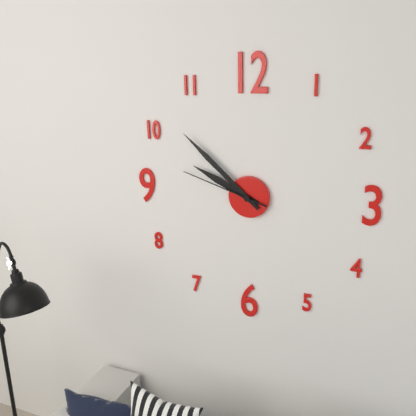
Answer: 9,52,48
